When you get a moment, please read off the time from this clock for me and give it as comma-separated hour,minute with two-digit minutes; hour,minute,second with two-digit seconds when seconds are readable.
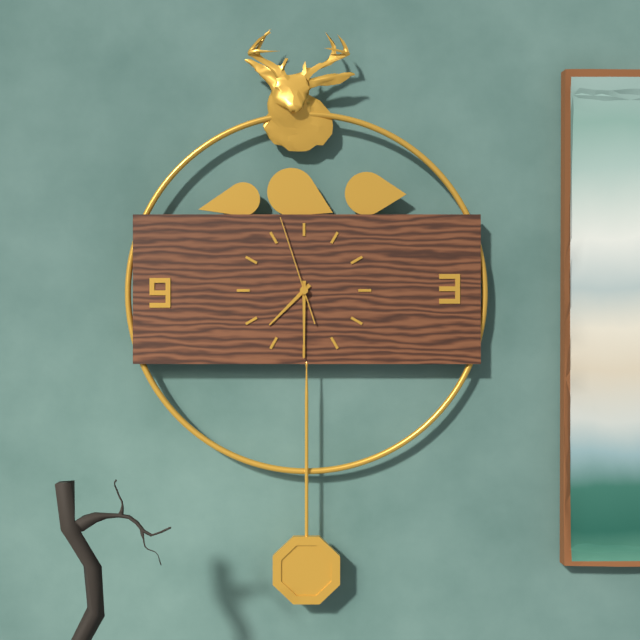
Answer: 7,30,57
